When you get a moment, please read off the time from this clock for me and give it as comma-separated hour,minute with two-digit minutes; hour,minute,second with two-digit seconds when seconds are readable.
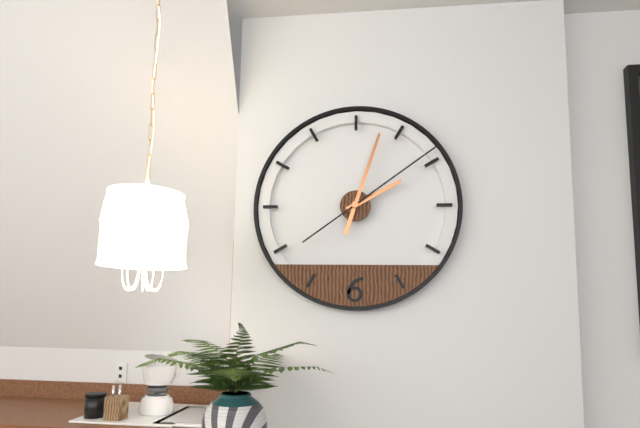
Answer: 2,03,09
